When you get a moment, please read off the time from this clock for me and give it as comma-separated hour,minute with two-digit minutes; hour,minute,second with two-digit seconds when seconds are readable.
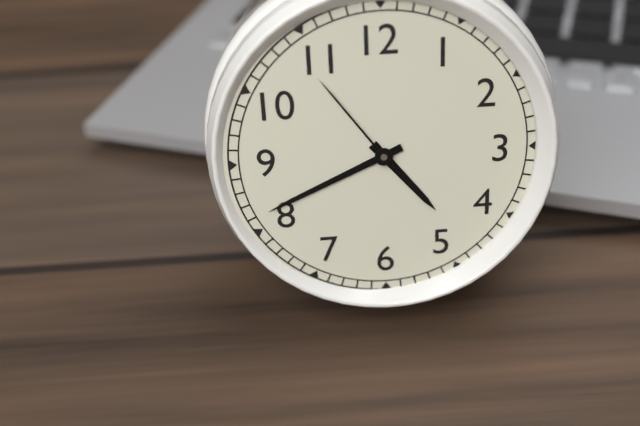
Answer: 4,41,54
